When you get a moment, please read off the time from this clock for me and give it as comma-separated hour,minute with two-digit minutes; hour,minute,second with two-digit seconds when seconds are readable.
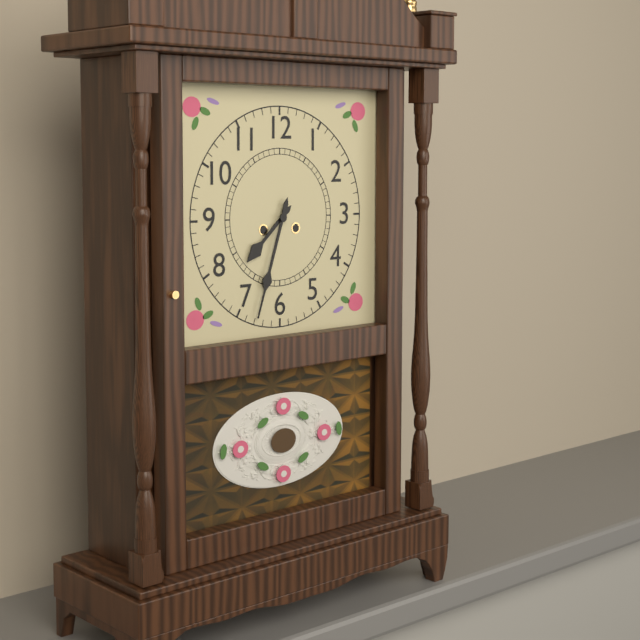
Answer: 7,33
